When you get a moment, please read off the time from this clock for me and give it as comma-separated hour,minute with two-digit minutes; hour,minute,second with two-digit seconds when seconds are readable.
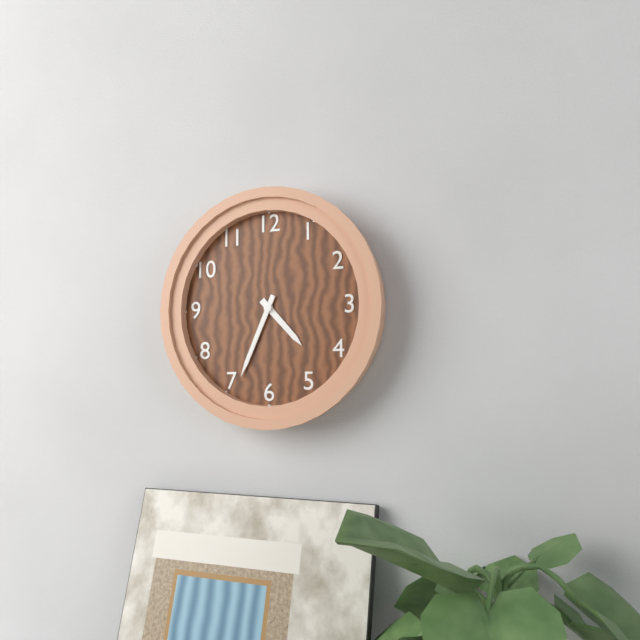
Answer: 4,34
